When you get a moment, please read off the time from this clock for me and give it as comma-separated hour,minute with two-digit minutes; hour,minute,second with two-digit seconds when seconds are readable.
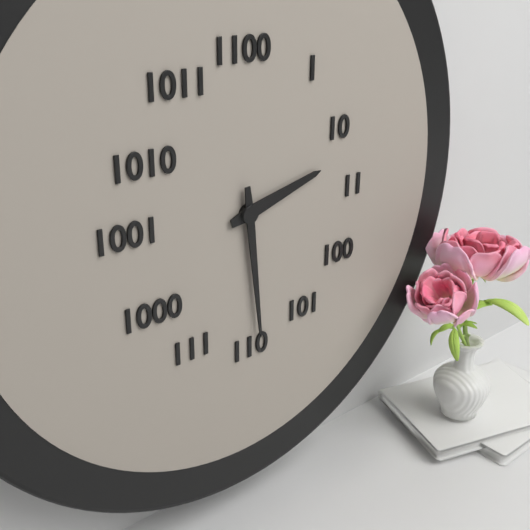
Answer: 2,29
